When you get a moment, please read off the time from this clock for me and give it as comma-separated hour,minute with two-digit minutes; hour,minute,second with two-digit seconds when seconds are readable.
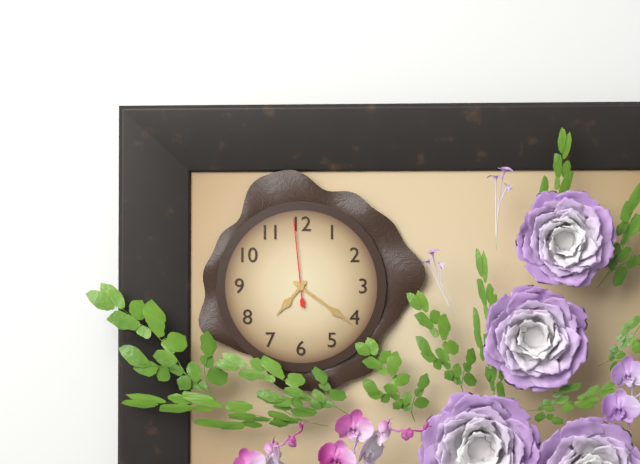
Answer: 7,21,59
